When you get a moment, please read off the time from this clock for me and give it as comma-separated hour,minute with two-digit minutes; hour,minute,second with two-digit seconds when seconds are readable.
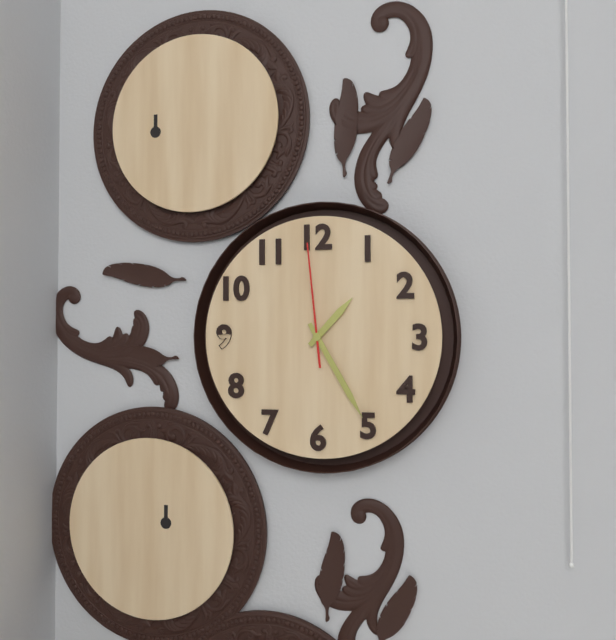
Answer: 1,25,59
